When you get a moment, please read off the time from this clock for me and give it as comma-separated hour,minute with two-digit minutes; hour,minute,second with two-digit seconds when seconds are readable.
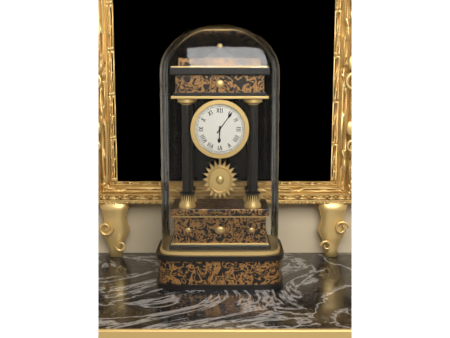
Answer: 6,06
